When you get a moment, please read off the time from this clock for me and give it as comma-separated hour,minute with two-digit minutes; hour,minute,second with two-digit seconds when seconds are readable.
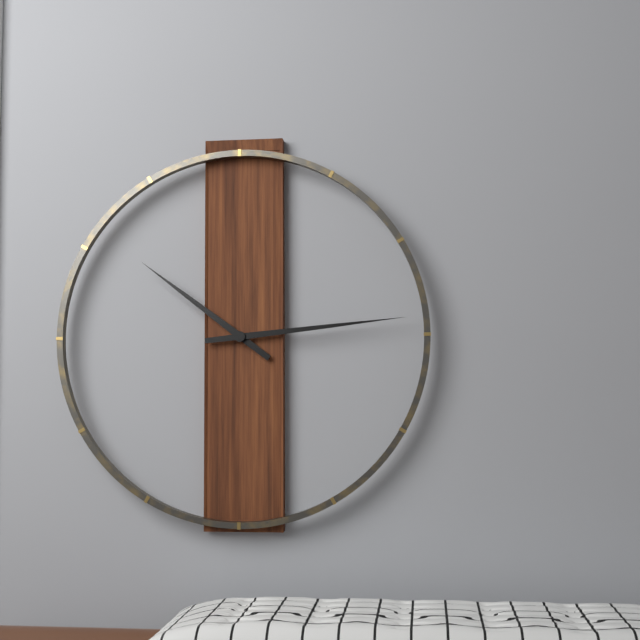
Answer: 10,14
